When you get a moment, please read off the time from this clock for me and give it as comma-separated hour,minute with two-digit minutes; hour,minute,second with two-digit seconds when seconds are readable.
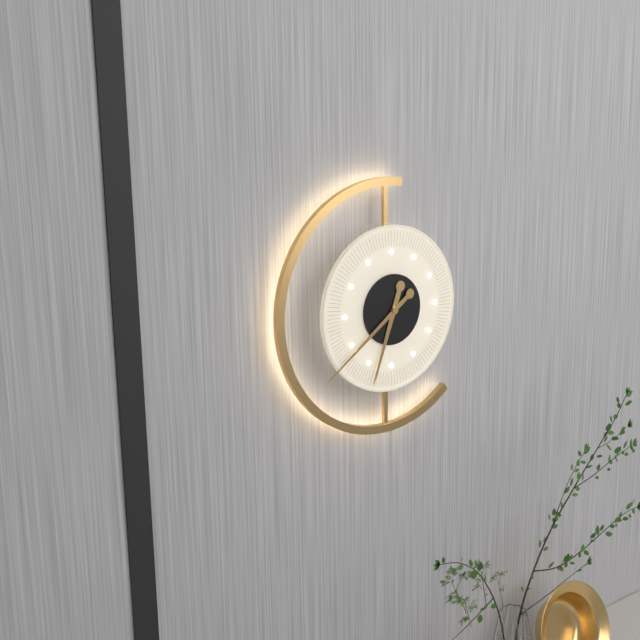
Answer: 6,39
